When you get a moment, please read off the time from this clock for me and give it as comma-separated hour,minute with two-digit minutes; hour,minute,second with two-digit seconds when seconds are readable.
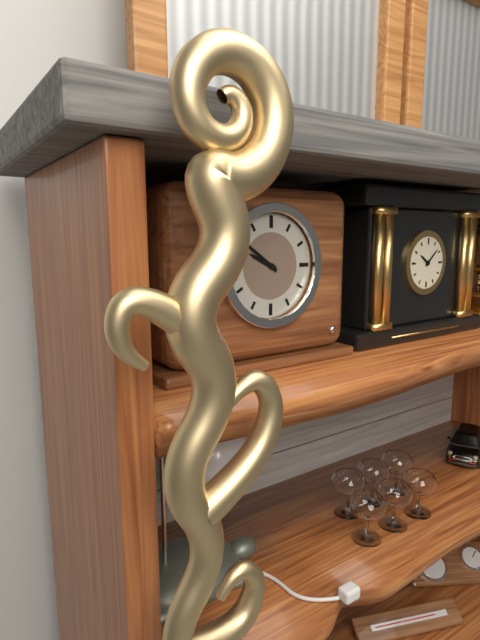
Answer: 9,51
